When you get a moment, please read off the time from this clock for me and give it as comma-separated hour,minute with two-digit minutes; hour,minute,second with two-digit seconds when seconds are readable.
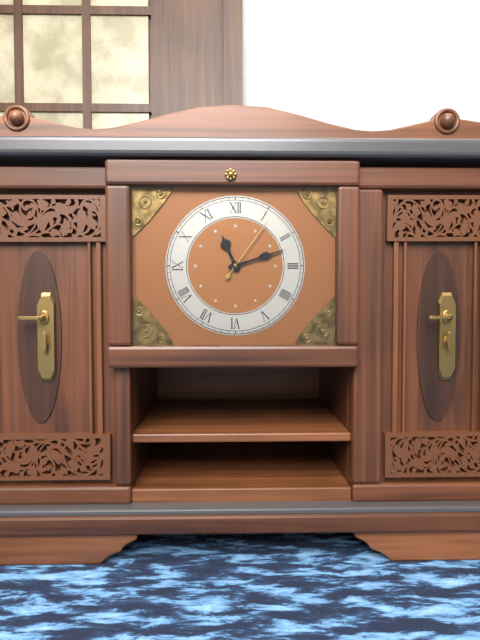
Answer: 11,12,06
